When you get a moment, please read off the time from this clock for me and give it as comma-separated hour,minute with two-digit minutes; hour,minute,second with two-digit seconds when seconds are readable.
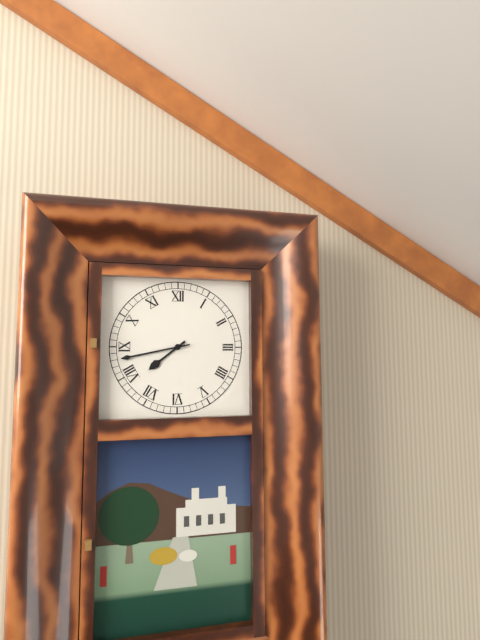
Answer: 7,43
